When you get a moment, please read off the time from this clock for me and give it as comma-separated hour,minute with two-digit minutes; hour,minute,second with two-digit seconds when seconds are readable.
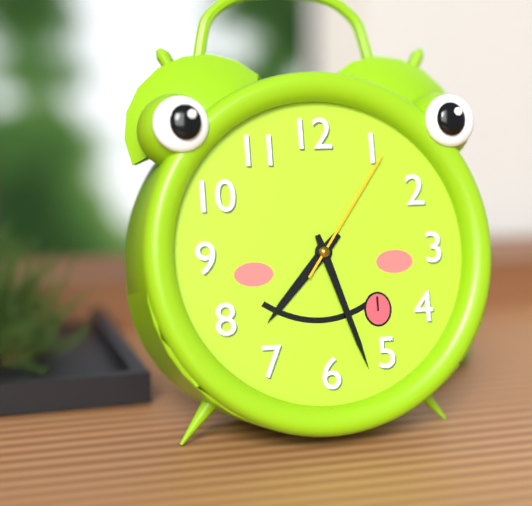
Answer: 7,27,06
